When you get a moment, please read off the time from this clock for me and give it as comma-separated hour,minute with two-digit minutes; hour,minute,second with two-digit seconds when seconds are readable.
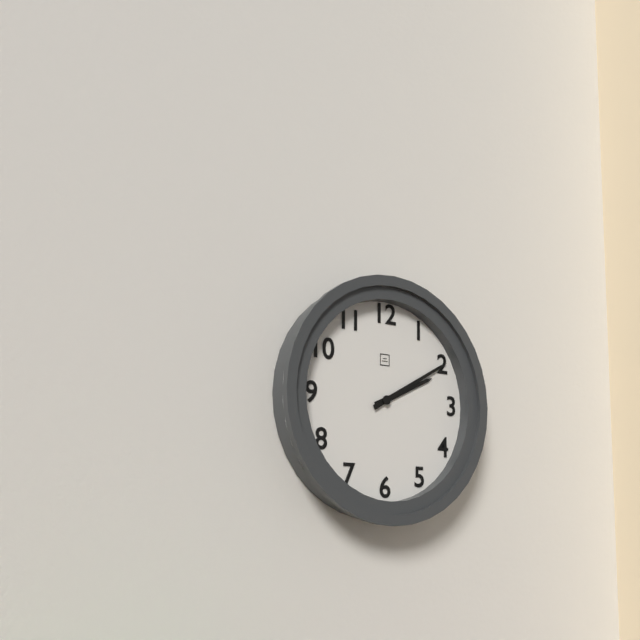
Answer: 2,10
